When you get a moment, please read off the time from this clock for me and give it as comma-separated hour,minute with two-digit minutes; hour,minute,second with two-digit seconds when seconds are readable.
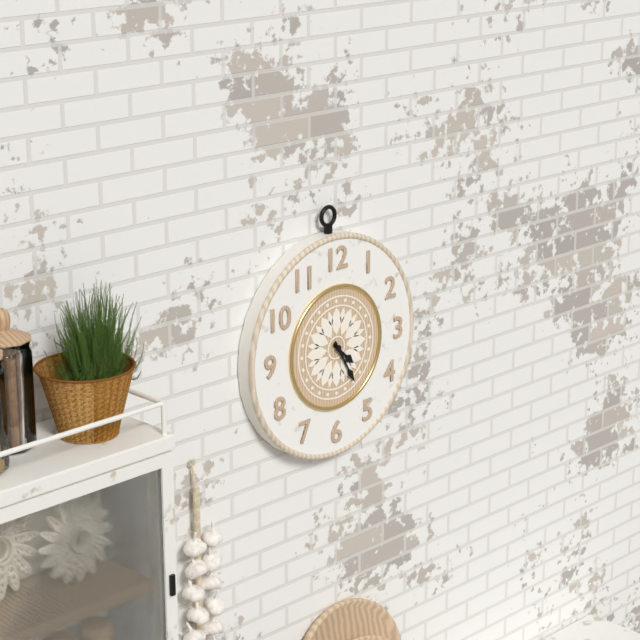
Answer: 4,25
